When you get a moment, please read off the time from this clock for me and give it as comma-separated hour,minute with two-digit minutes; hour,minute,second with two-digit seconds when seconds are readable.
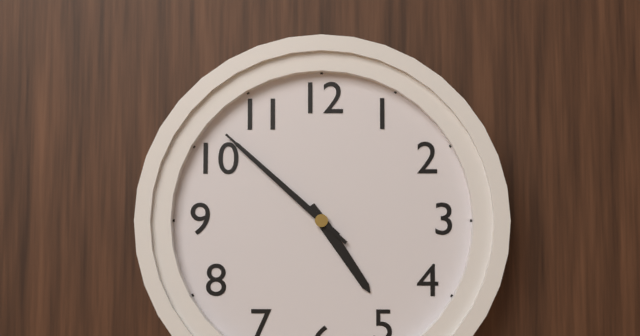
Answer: 4,52,52
